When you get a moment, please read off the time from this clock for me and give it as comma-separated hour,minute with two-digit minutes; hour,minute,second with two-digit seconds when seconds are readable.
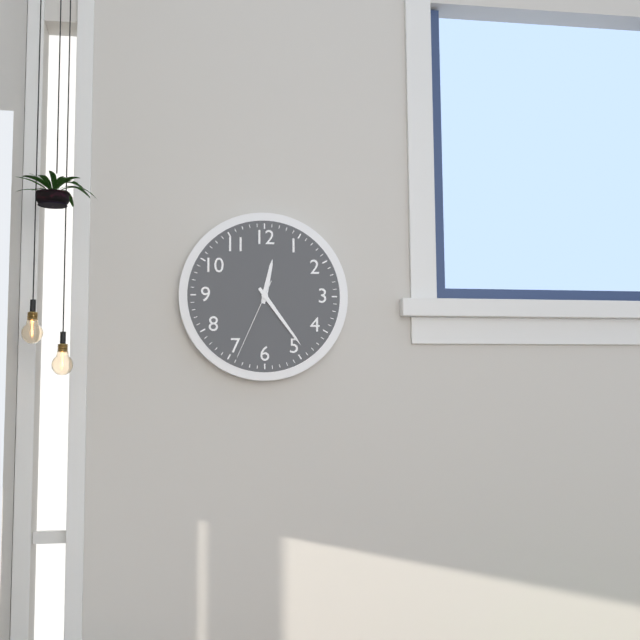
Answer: 12,24,34
